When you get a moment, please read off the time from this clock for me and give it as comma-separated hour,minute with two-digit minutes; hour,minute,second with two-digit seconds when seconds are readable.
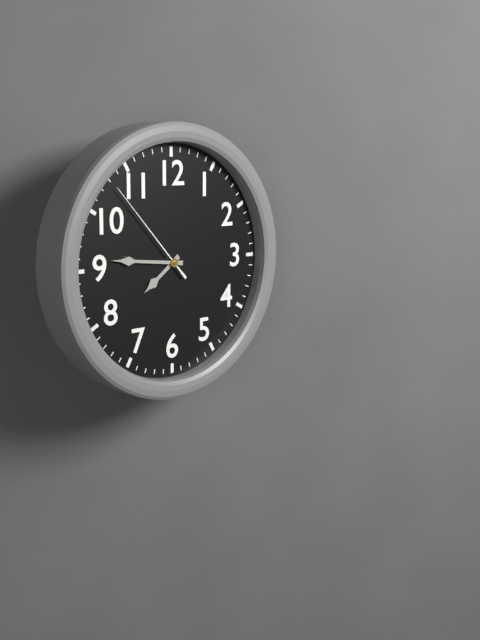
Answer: 7,46,53
